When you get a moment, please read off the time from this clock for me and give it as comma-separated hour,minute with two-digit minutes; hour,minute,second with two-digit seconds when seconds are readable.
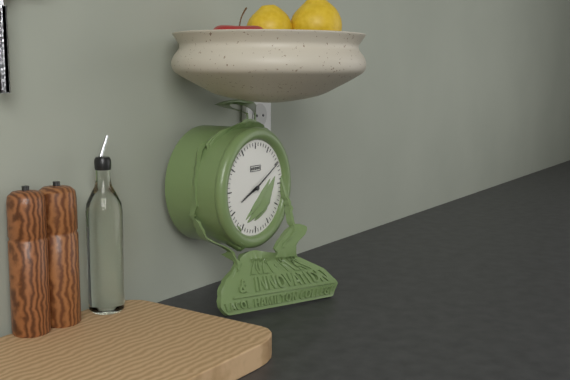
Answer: 8,10
